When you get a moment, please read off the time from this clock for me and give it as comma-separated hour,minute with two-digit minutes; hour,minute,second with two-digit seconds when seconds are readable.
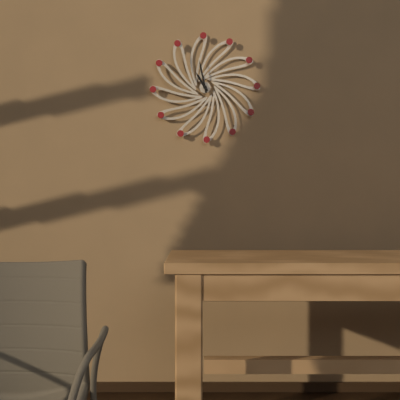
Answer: 10,58
